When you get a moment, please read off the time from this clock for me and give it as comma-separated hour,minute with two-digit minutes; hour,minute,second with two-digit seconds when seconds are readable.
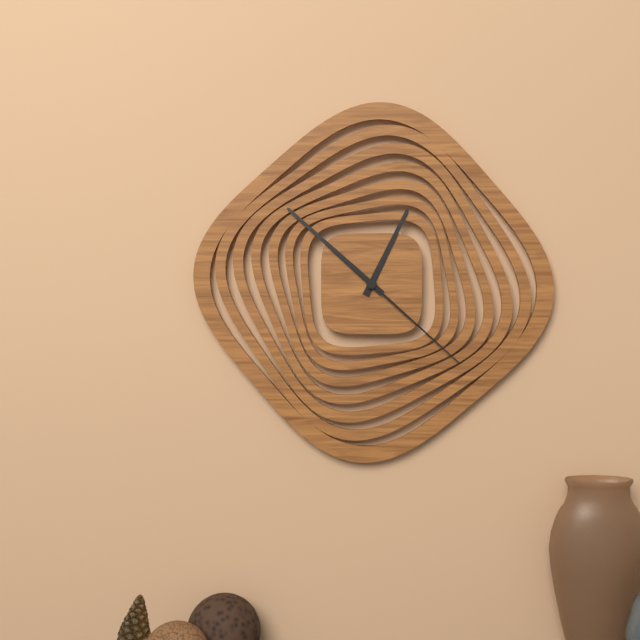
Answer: 12,52,22
